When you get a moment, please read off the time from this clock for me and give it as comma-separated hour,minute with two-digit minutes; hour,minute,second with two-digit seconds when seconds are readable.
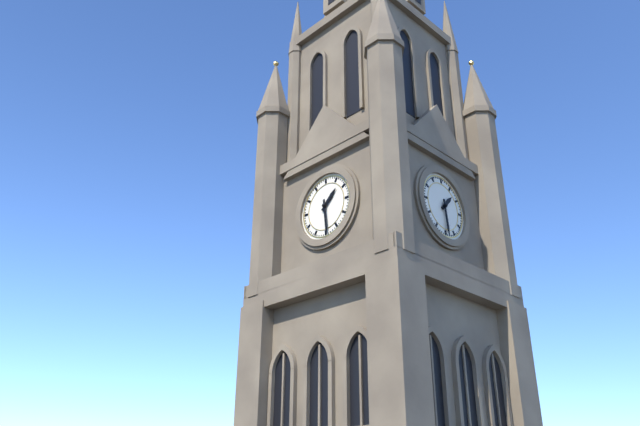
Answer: 1,29
